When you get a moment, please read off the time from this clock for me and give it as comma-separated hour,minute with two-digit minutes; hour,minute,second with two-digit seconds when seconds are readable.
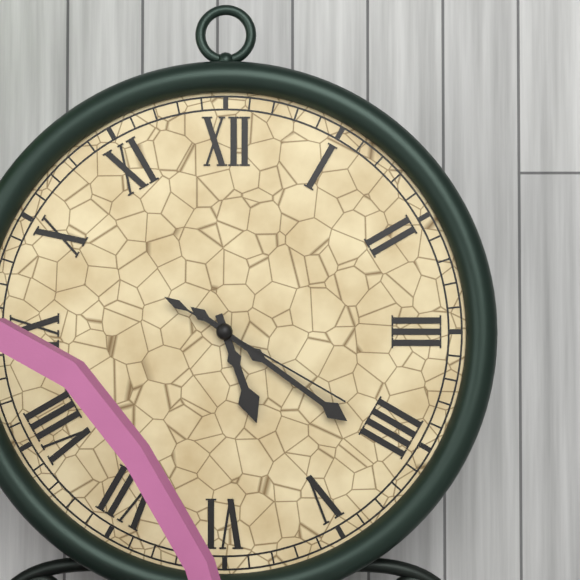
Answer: 5,21,20
